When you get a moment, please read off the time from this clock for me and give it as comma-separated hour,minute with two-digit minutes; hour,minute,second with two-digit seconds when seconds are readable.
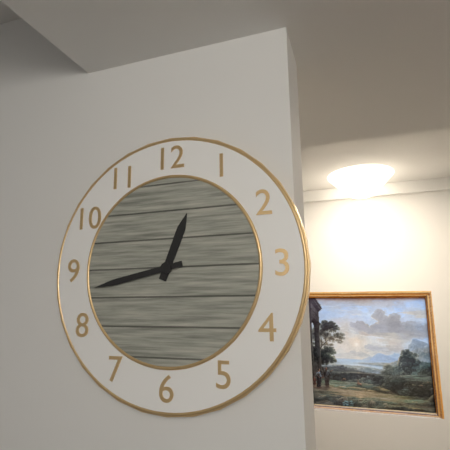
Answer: 12,43
